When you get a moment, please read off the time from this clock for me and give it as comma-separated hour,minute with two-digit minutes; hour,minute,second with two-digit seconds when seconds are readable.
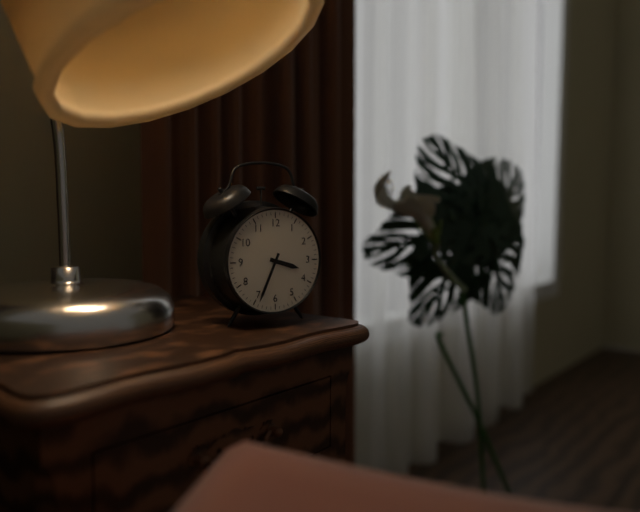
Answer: 3,34
